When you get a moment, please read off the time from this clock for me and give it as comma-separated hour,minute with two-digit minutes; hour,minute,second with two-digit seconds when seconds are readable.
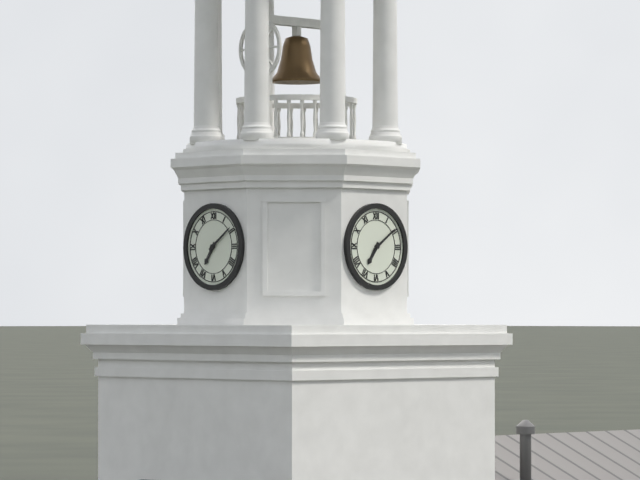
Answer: 7,09
